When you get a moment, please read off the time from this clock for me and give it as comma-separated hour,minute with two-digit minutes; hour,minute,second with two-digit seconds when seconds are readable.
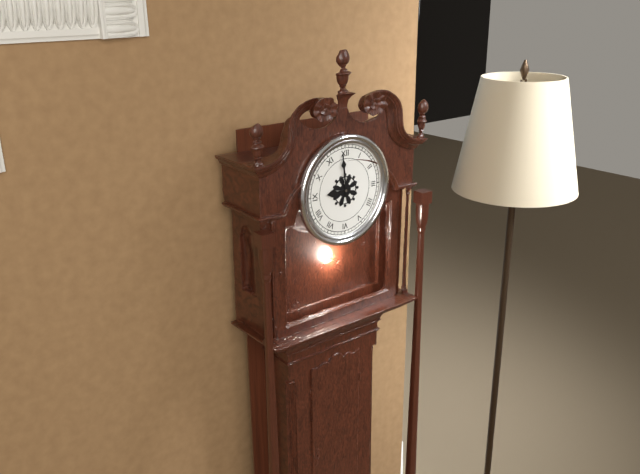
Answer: 8,59
